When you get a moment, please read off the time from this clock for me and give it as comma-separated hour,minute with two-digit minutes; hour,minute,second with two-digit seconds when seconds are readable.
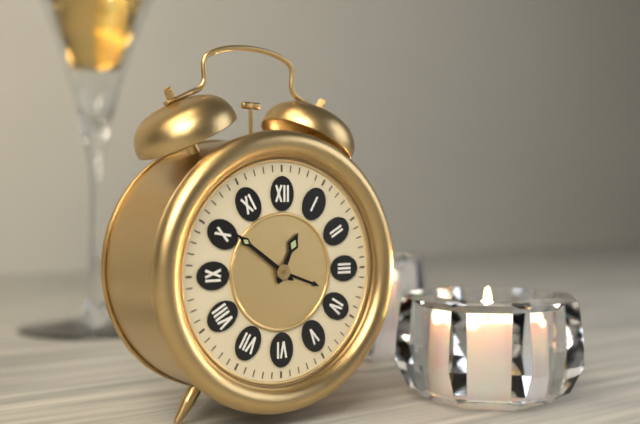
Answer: 12,51
